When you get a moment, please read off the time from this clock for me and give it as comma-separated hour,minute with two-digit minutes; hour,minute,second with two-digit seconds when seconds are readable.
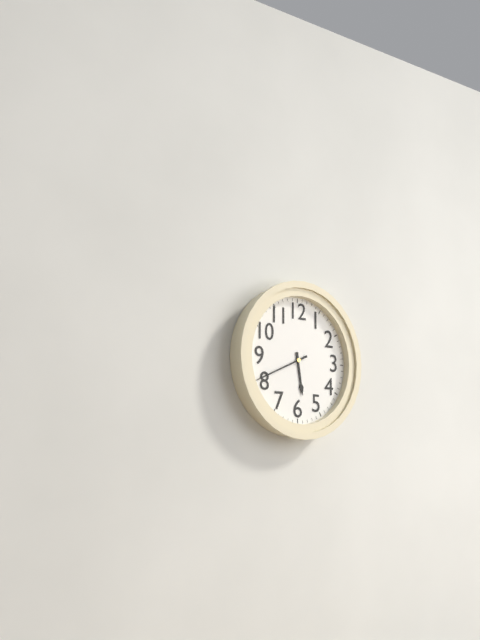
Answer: 5,41
